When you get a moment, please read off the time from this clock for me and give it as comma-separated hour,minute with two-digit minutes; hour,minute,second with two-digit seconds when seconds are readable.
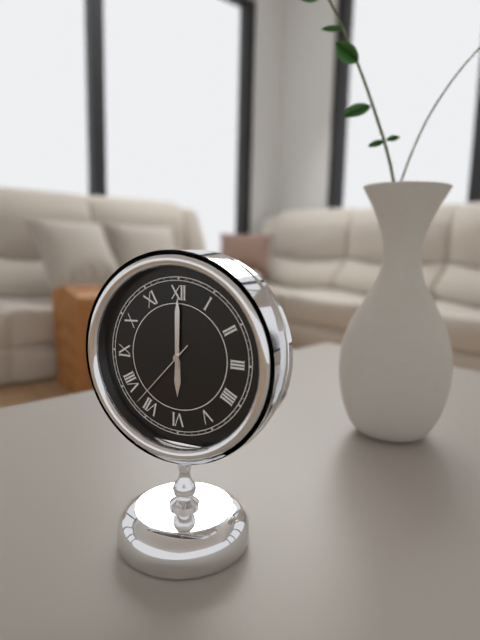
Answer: 6,00,37
